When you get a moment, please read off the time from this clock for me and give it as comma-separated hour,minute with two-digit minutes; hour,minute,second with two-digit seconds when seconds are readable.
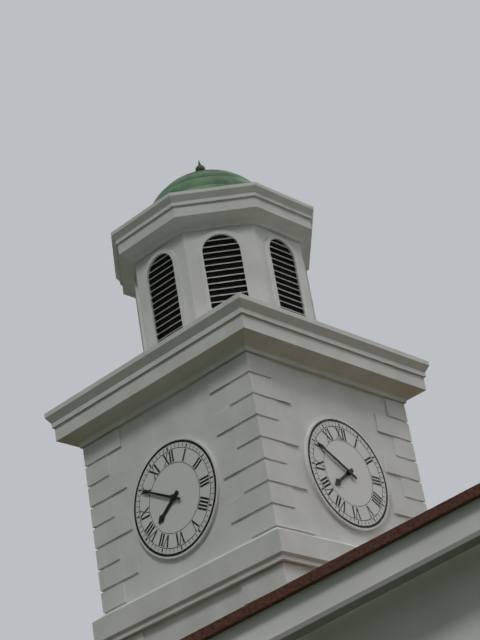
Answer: 7,50
